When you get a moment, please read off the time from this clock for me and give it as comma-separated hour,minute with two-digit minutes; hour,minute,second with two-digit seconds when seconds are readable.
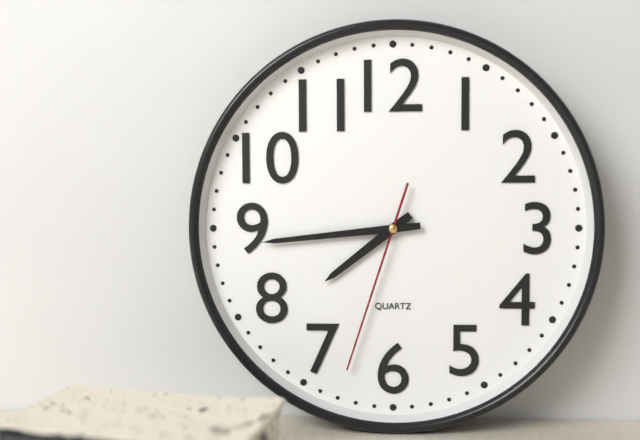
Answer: 7,44,33
